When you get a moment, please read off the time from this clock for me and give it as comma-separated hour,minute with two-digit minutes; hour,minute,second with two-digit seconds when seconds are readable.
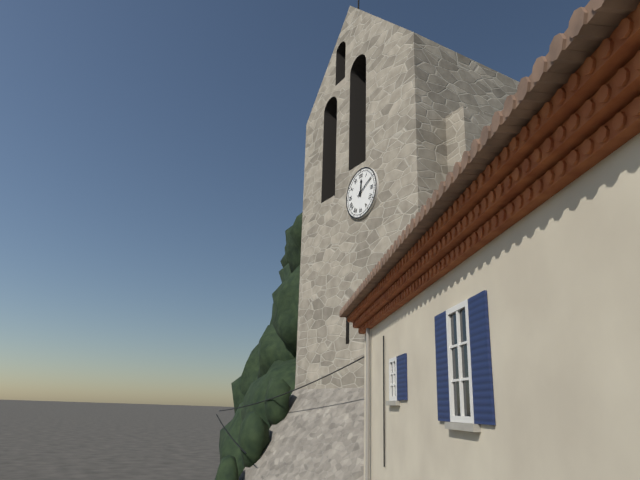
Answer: 12,10
